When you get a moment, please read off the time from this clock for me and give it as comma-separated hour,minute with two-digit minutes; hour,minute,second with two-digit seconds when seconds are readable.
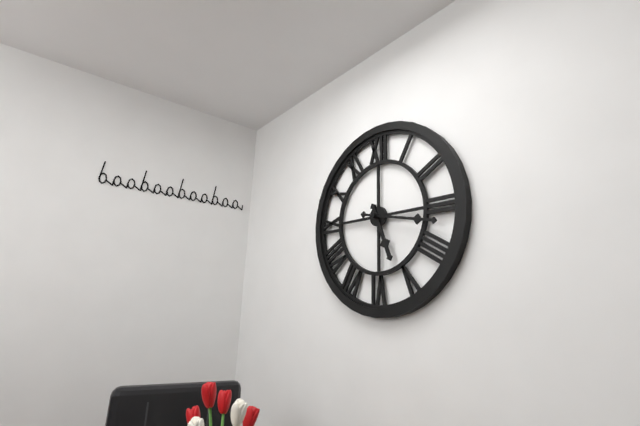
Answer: 5,17
